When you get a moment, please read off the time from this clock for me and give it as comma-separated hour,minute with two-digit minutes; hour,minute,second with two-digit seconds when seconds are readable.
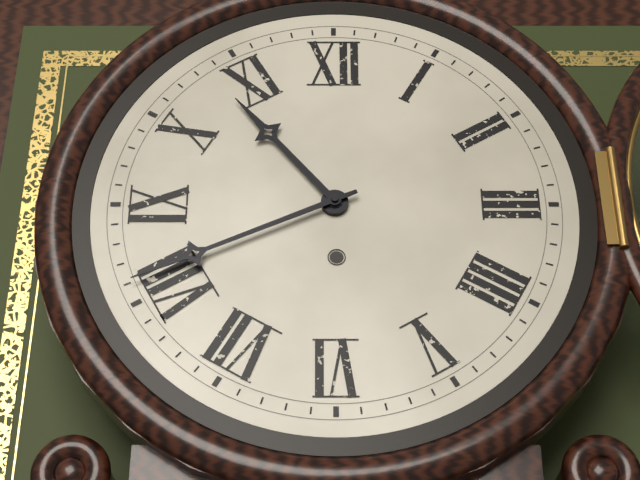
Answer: 10,41
